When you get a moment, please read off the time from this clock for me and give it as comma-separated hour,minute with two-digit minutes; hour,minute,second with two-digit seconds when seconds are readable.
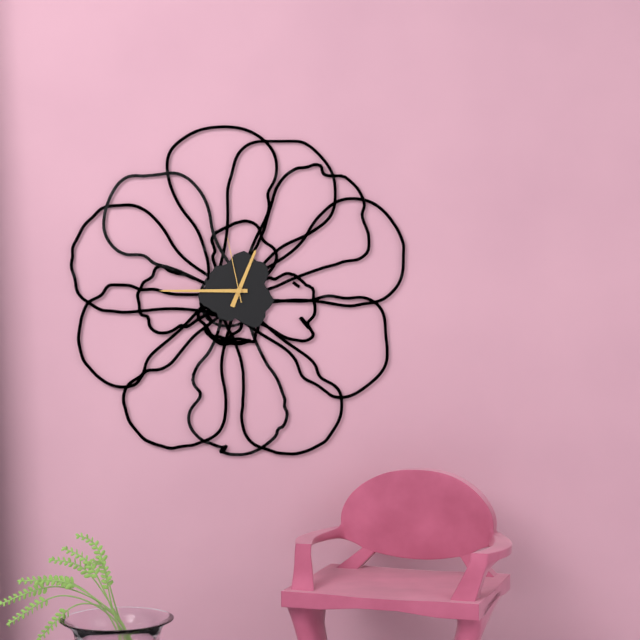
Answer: 12,45,58
